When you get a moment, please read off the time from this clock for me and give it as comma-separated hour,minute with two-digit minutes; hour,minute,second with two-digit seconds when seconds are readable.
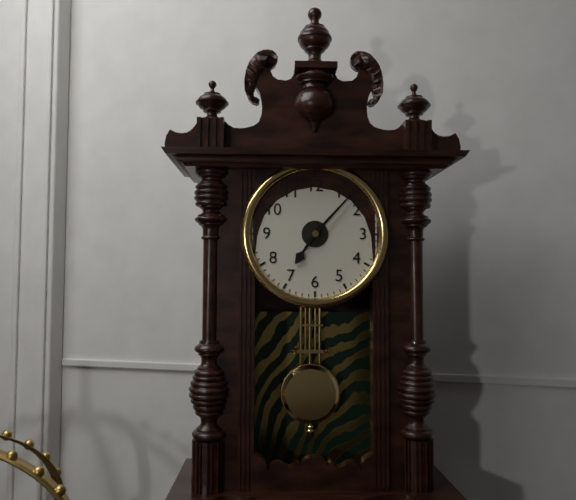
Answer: 7,07
